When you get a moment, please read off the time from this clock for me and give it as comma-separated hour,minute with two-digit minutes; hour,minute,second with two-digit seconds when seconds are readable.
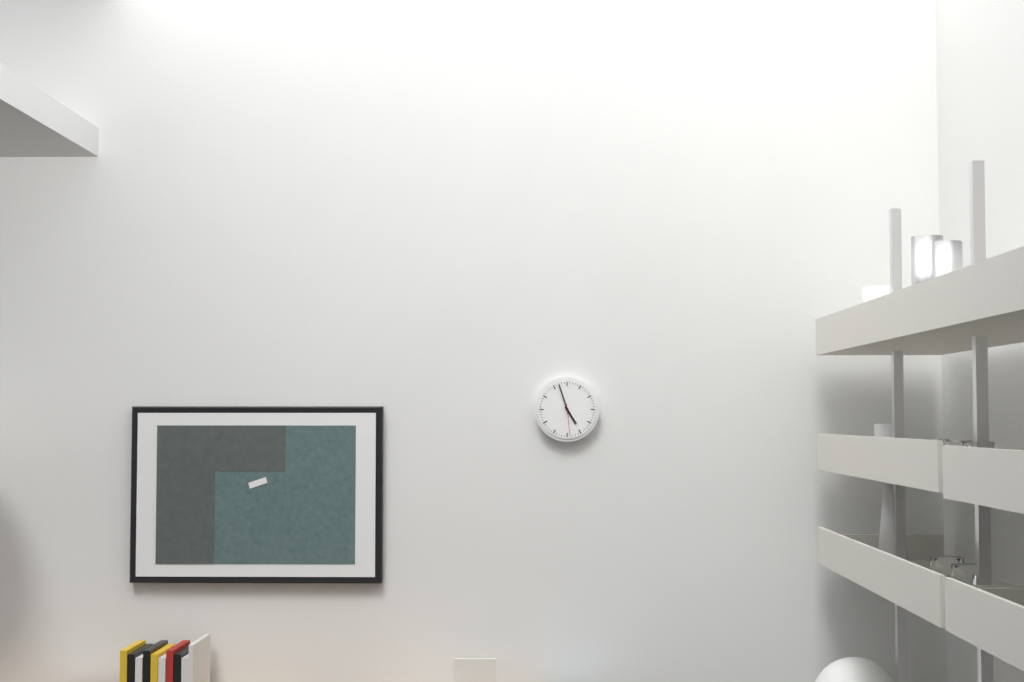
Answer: 4,57
